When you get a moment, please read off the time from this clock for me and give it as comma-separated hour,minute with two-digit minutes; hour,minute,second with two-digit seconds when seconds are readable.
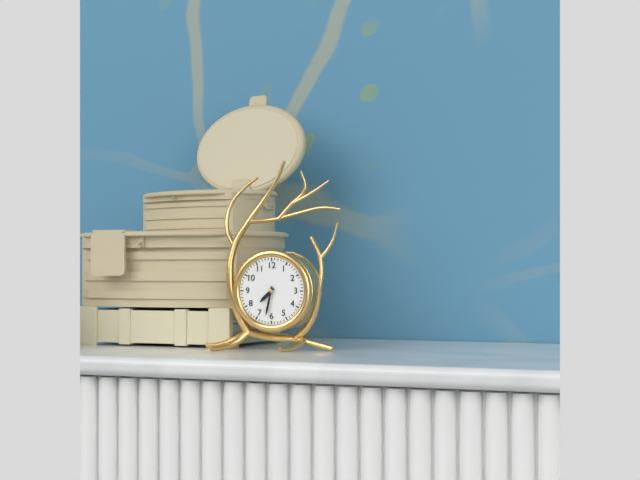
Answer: 7,32
